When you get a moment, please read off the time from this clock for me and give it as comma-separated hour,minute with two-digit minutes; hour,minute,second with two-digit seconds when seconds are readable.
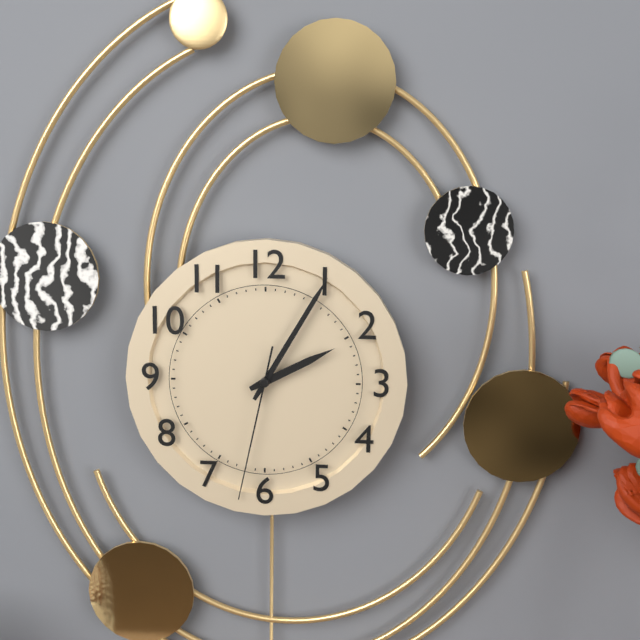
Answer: 2,05,32
